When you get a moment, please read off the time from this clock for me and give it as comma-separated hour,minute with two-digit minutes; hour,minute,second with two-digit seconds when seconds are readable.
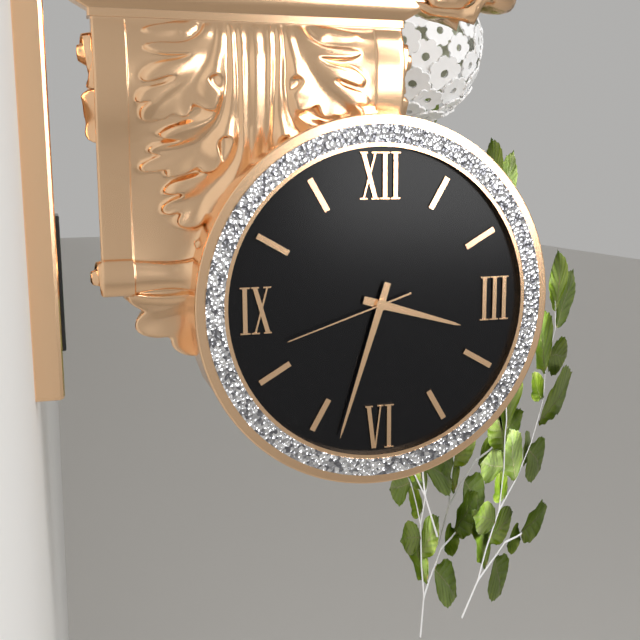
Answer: 3,33,42
